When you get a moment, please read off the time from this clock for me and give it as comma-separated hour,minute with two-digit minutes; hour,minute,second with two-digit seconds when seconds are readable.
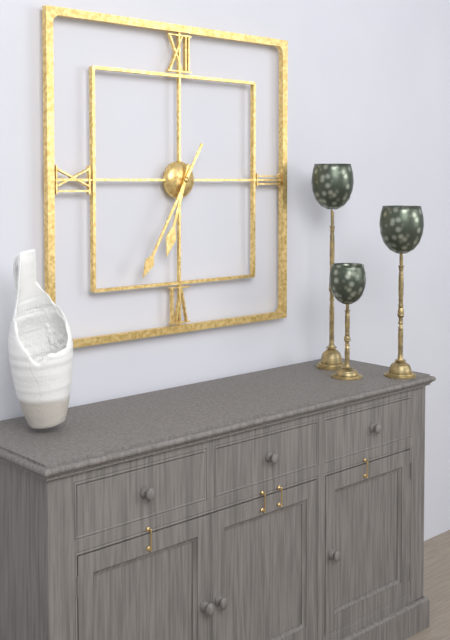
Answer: 6,35
